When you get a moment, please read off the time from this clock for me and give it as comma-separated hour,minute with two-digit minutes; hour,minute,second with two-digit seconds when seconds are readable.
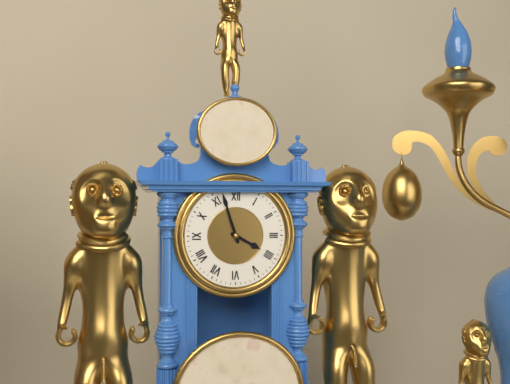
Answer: 3,57
